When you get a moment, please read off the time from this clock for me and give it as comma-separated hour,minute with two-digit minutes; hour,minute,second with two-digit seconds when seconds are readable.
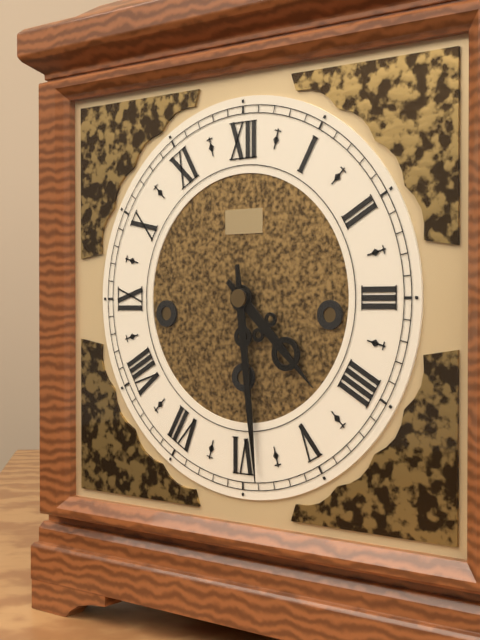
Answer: 4,29
